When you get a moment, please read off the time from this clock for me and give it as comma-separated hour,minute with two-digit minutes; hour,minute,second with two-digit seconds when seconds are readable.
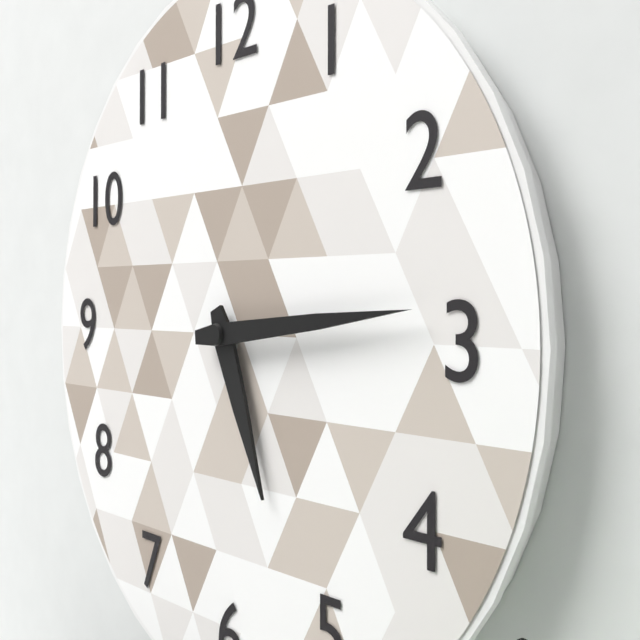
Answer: 5,14
